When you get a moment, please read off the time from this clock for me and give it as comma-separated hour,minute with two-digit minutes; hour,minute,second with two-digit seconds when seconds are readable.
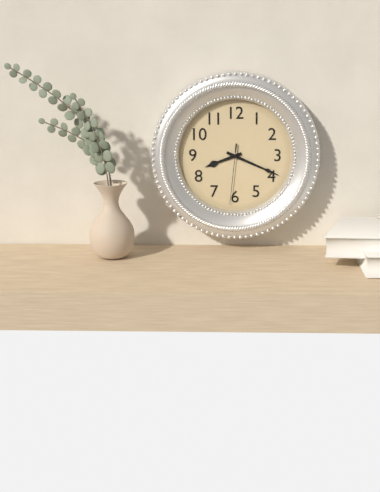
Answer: 8,19,31
